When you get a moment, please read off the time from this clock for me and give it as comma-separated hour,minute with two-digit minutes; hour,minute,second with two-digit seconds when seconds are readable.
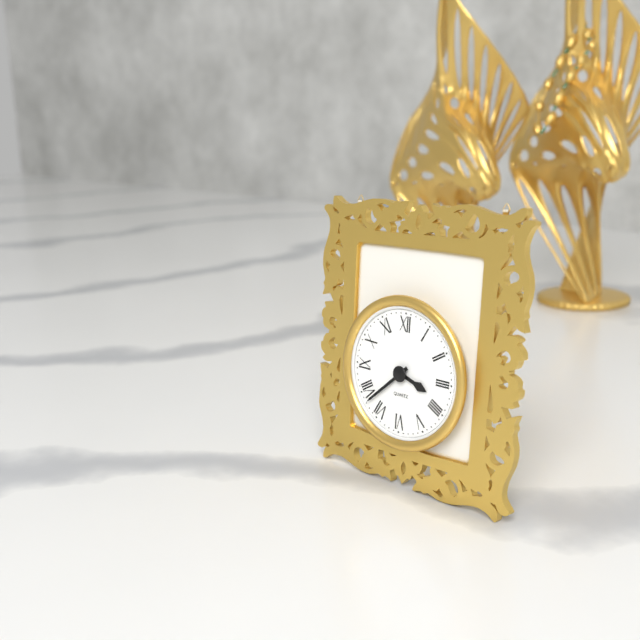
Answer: 3,38
